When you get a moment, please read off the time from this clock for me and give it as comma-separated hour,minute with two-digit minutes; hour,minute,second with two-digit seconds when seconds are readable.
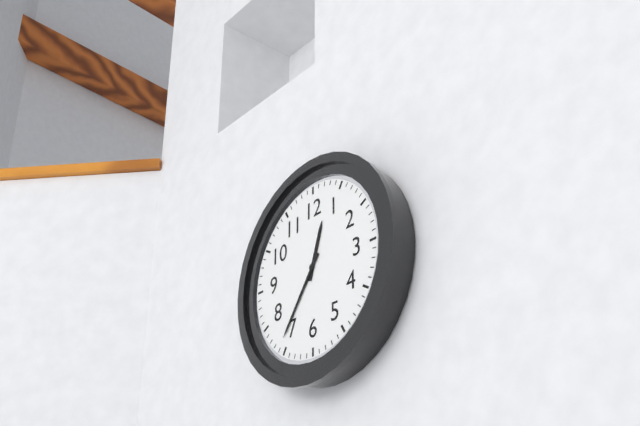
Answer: 12,36
